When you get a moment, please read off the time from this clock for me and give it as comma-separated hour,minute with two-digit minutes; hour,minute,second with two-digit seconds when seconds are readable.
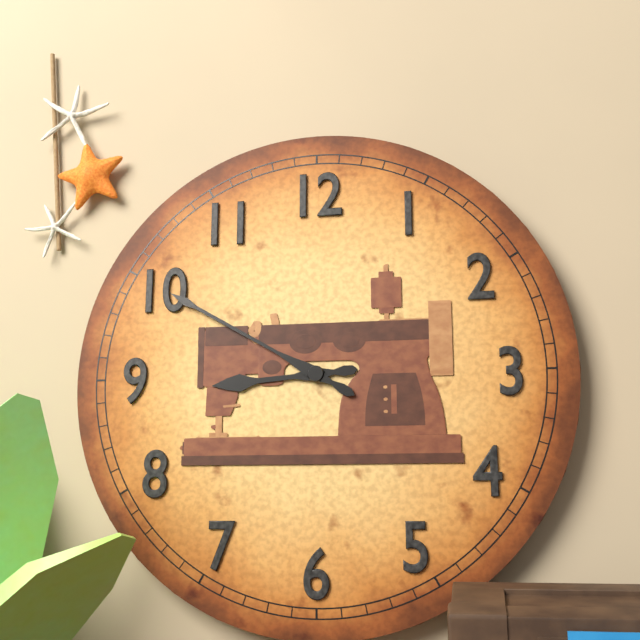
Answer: 8,50
